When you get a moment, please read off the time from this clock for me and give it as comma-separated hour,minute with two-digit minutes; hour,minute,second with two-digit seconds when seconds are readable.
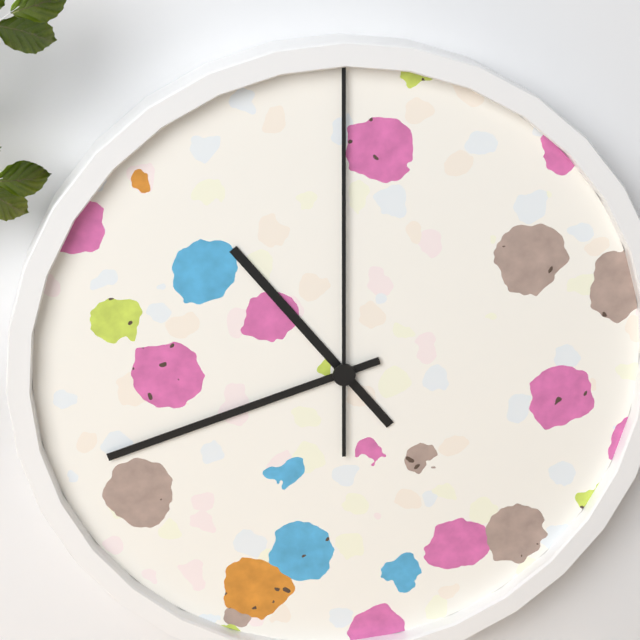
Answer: 10,42,00
